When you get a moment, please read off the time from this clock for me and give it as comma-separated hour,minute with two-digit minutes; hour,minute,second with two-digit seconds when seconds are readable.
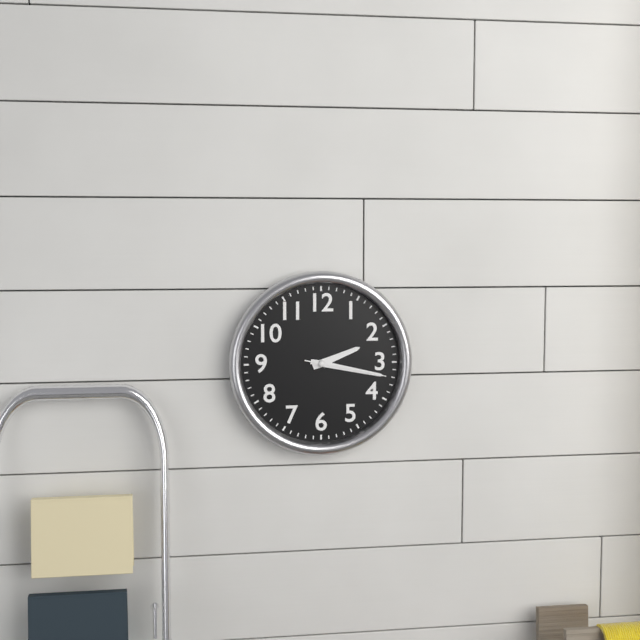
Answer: 2,17,17
